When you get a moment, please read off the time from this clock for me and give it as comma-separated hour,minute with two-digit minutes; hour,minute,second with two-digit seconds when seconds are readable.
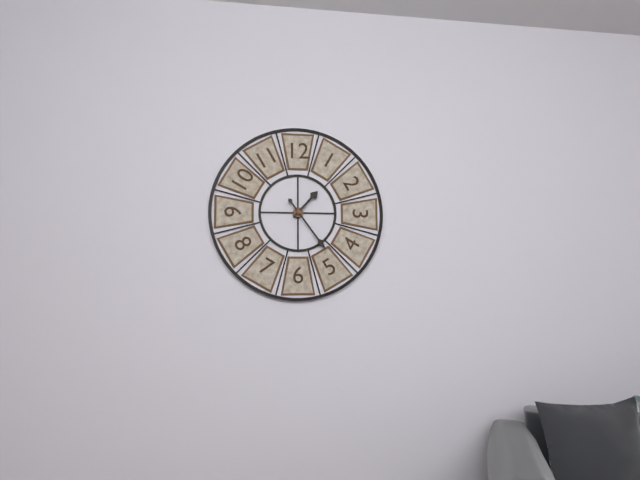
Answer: 1,24
